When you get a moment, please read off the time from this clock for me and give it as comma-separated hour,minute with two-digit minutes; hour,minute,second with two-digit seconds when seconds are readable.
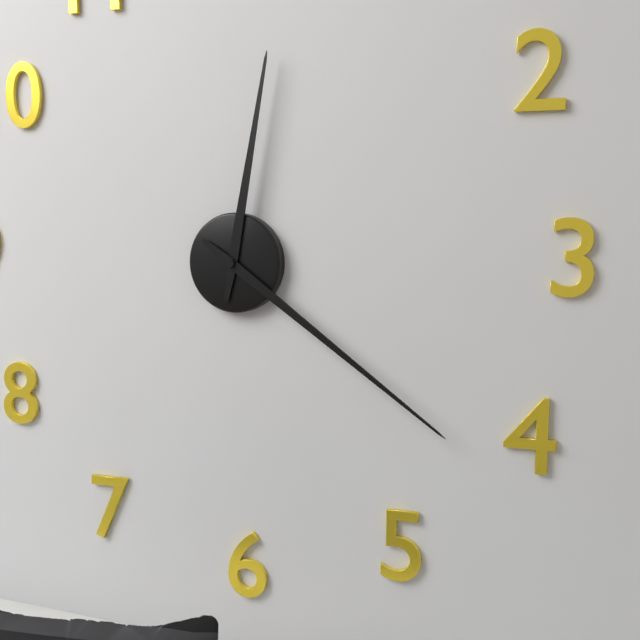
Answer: 12,21
